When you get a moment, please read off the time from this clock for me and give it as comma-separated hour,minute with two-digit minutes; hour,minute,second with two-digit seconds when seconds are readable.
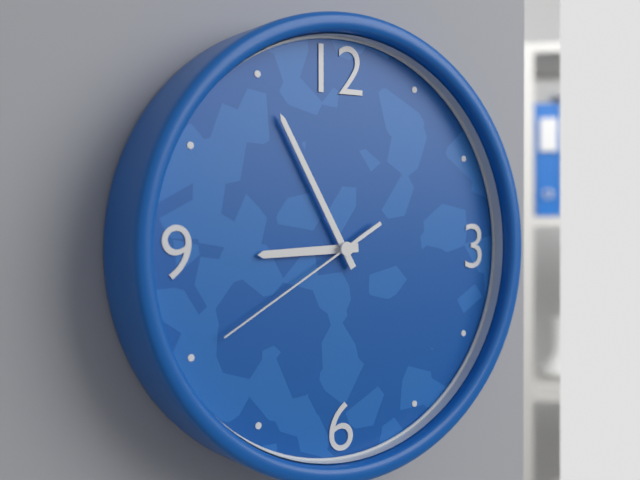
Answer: 8,55,40
